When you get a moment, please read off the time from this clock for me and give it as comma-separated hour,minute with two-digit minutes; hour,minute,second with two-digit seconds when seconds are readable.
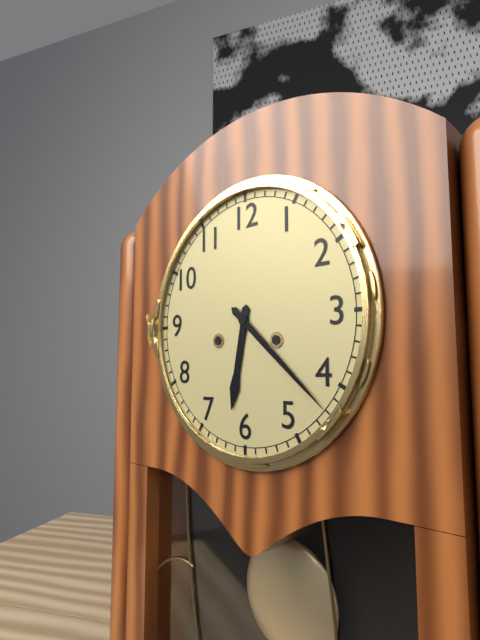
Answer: 6,22
